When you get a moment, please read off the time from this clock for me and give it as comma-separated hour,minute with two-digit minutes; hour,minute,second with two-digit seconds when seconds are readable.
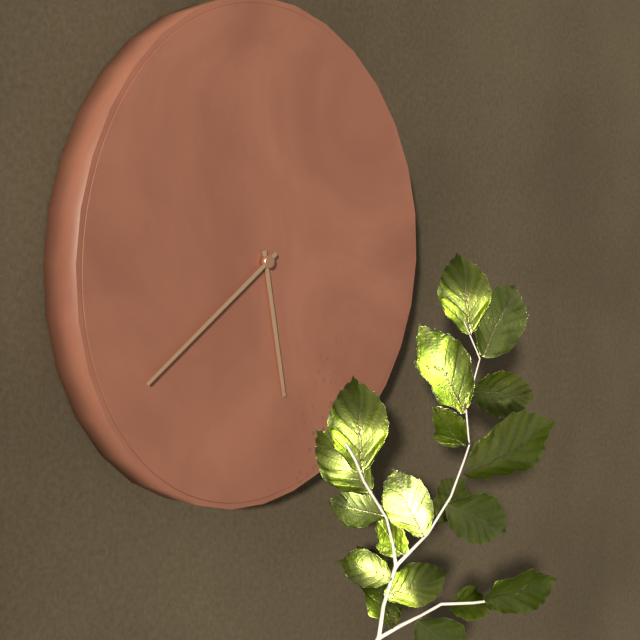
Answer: 5,39
